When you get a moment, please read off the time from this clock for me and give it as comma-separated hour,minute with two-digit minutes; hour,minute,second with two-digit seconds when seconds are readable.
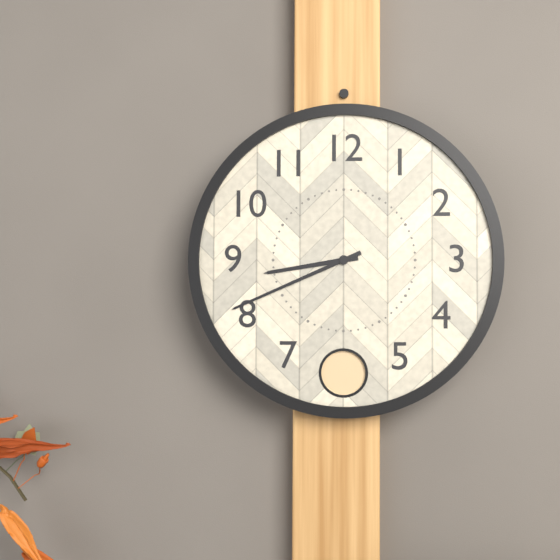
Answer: 8,41
